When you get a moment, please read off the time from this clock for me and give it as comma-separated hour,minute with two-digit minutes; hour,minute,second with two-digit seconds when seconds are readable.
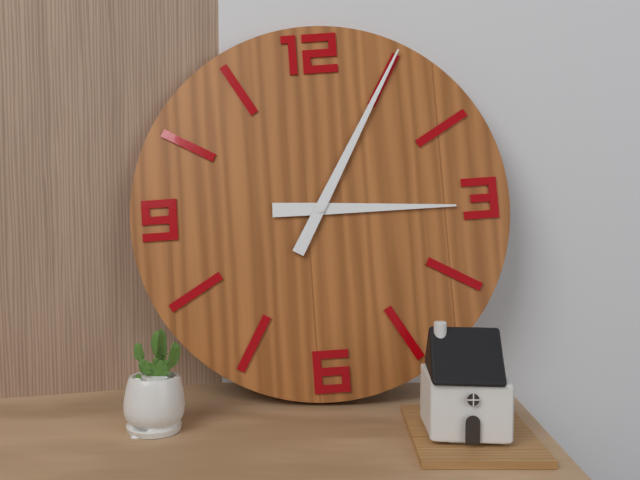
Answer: 3,05
